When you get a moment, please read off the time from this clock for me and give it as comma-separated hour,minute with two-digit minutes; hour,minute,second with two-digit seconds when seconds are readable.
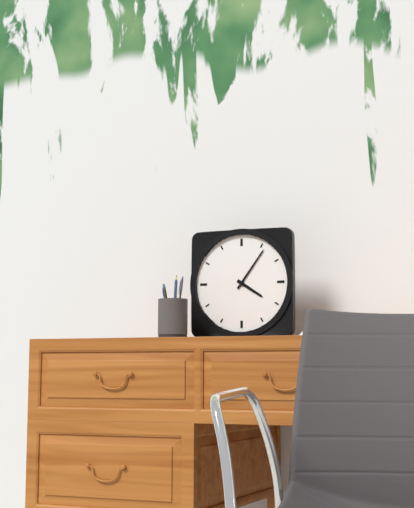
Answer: 4,06
